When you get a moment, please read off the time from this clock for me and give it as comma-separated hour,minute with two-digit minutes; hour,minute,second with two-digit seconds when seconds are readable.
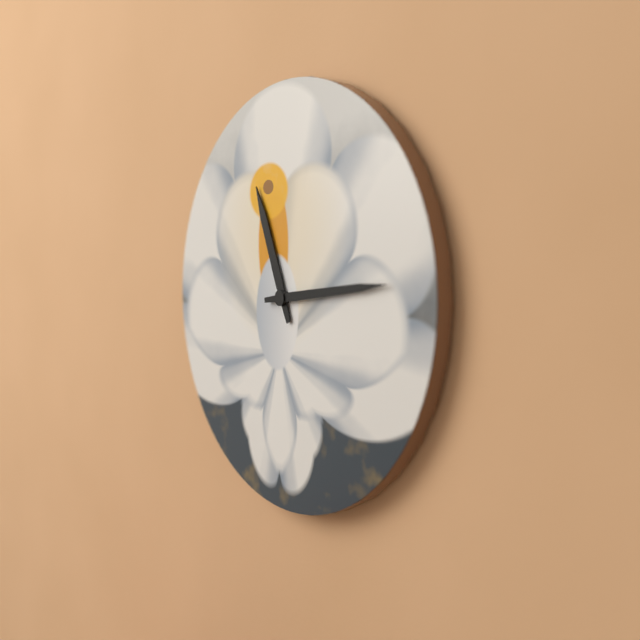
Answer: 11,14
